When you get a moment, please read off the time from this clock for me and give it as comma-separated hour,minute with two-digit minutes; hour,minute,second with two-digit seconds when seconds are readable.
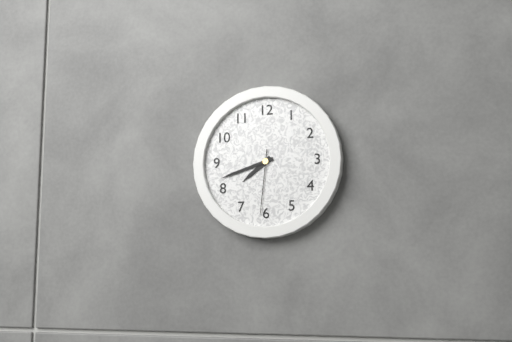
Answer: 7,42,31
